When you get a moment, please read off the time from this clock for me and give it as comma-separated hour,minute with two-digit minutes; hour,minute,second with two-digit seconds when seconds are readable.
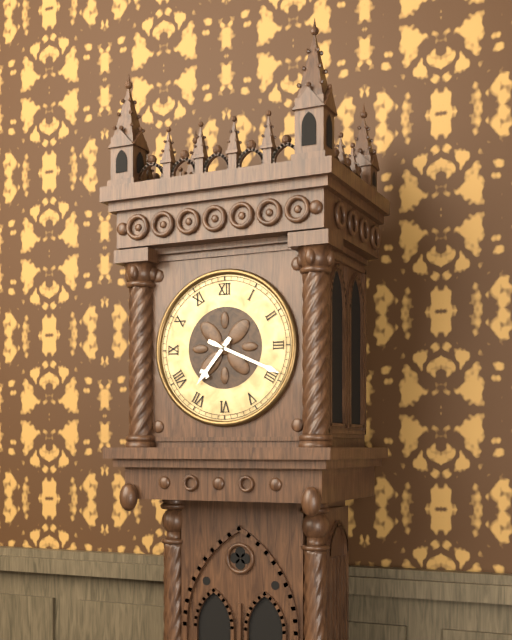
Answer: 7,19
